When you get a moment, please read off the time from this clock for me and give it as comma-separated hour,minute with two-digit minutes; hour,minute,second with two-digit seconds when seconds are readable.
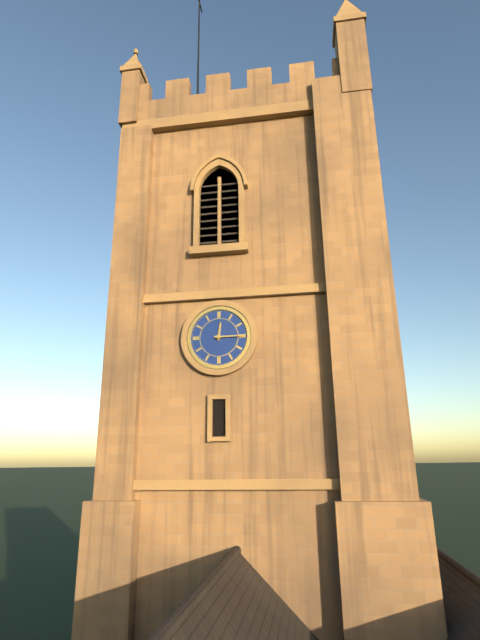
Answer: 12,15
